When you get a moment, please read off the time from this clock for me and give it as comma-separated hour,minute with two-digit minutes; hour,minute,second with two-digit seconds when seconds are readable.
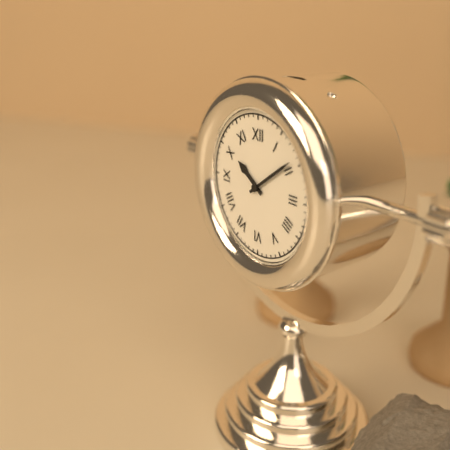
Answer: 10,09
